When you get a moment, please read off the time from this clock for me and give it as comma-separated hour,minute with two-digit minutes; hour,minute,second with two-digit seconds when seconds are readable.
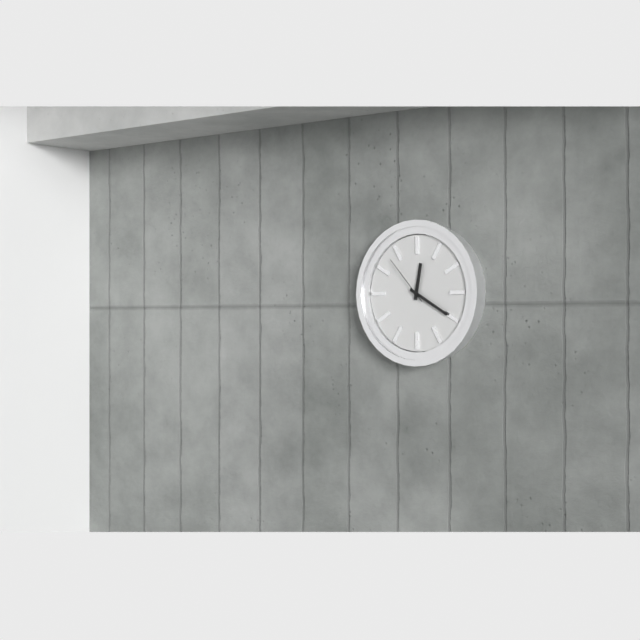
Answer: 12,20,53
